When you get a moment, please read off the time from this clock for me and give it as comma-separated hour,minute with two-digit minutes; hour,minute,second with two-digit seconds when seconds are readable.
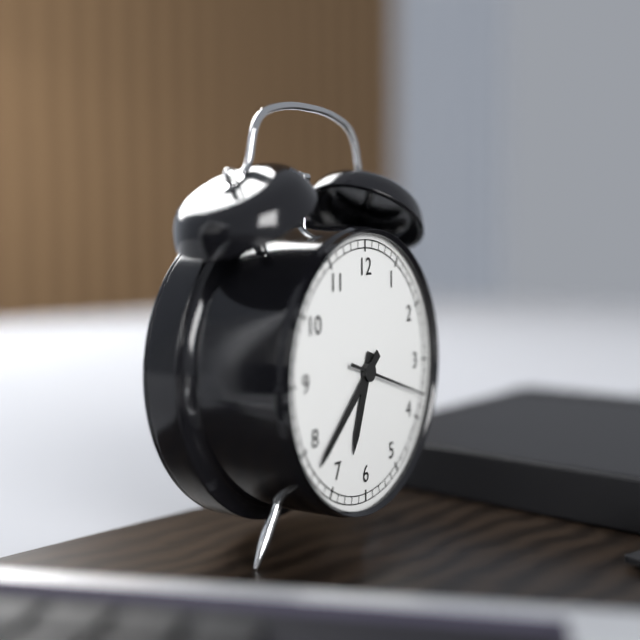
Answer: 6,38,18
